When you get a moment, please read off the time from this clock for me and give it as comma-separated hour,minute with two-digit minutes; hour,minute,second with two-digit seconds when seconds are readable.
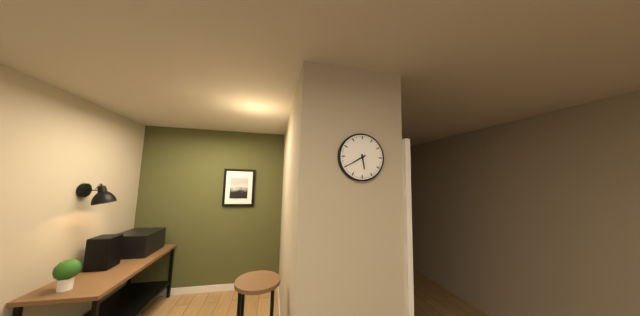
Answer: 5,40
